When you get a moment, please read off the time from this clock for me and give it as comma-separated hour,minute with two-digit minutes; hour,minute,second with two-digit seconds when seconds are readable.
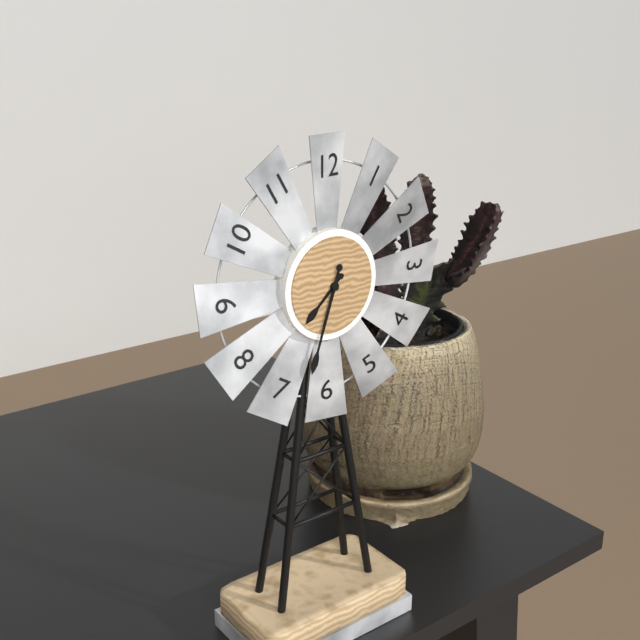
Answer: 7,33
